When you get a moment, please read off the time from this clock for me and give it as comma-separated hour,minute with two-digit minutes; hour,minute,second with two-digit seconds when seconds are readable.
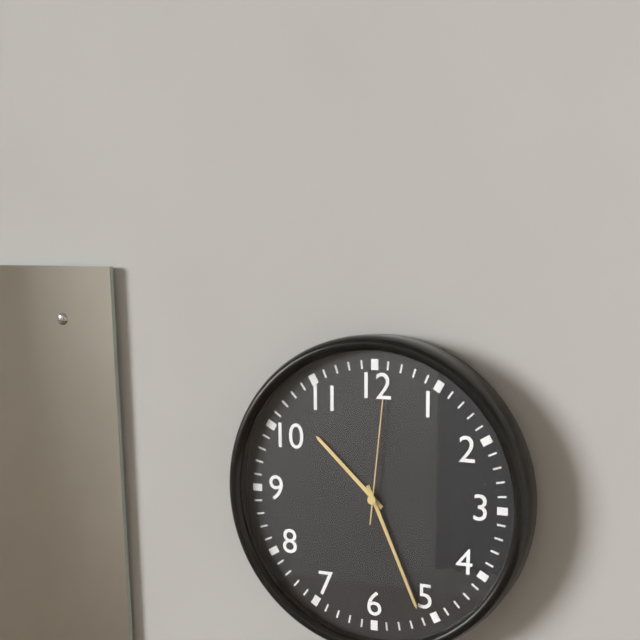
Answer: 10,26,01
